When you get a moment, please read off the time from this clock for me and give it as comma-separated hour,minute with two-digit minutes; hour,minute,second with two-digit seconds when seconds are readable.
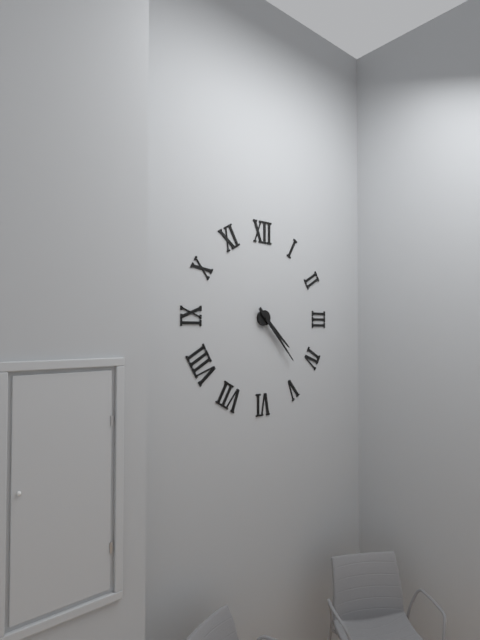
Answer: 4,23
